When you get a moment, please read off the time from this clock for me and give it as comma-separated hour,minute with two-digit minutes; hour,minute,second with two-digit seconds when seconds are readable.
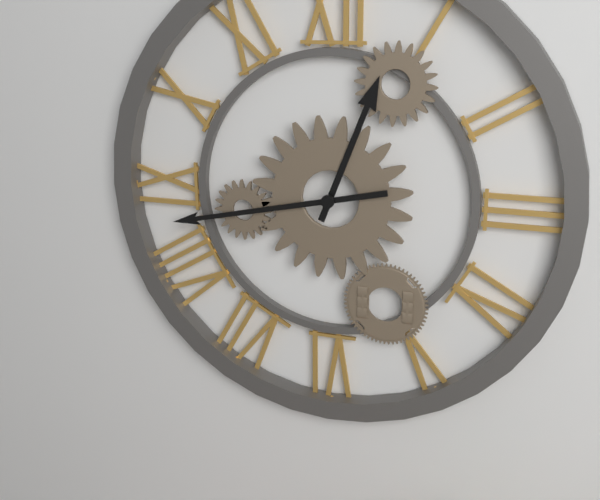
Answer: 12,43
